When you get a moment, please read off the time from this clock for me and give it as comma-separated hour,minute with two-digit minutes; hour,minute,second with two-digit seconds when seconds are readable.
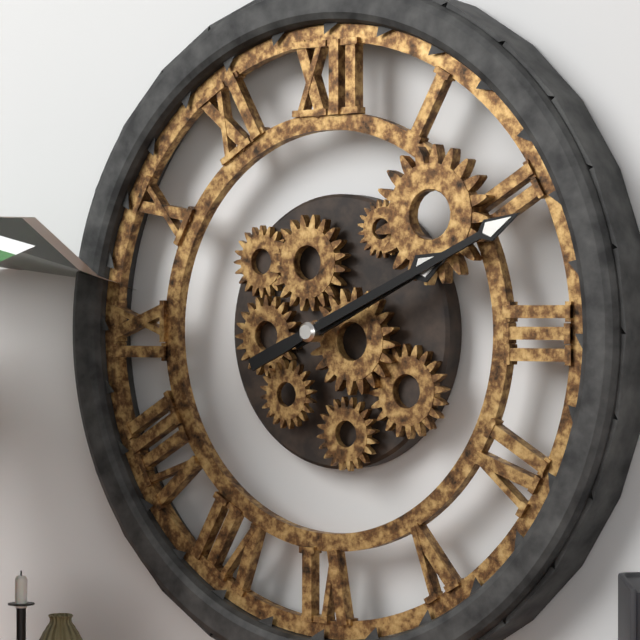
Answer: 2,11
